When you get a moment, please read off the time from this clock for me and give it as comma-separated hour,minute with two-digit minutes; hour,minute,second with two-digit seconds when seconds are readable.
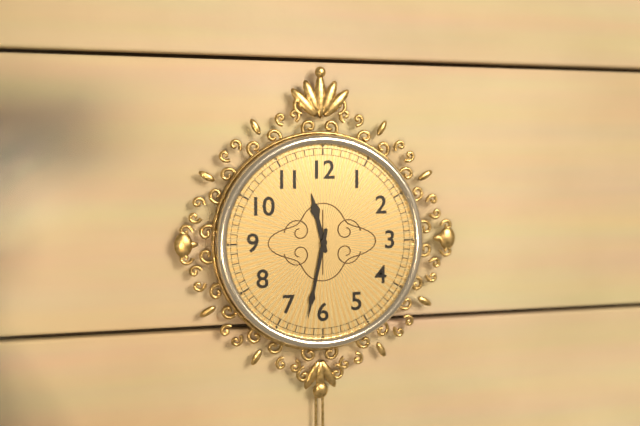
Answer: 11,32
